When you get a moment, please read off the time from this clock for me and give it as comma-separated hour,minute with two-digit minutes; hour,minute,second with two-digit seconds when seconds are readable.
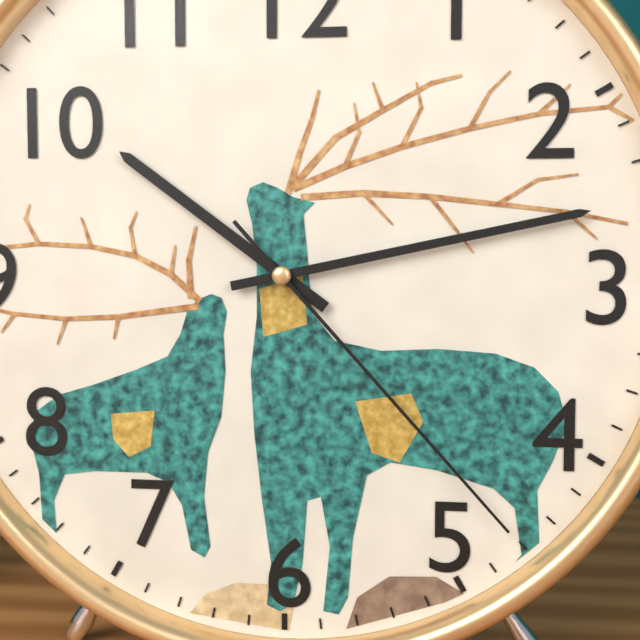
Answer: 10,13,23
